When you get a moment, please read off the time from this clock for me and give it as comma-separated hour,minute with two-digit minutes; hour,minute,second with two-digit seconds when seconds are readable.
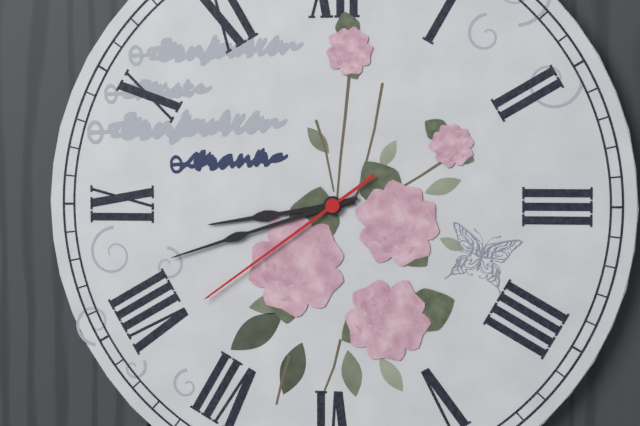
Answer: 8,42,39
